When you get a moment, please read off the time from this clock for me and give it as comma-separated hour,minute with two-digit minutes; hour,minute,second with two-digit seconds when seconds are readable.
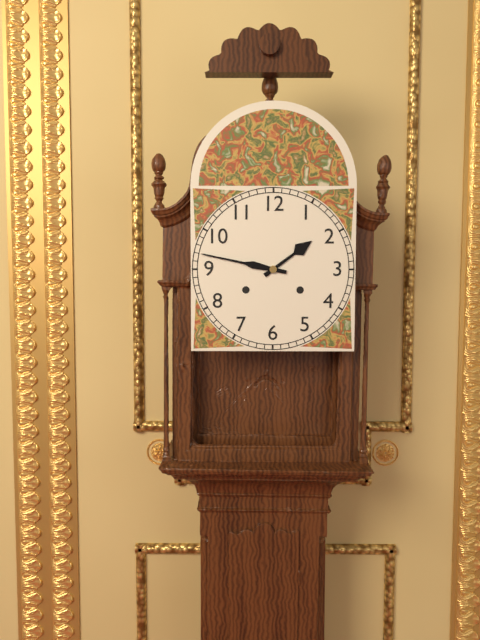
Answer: 1,47
